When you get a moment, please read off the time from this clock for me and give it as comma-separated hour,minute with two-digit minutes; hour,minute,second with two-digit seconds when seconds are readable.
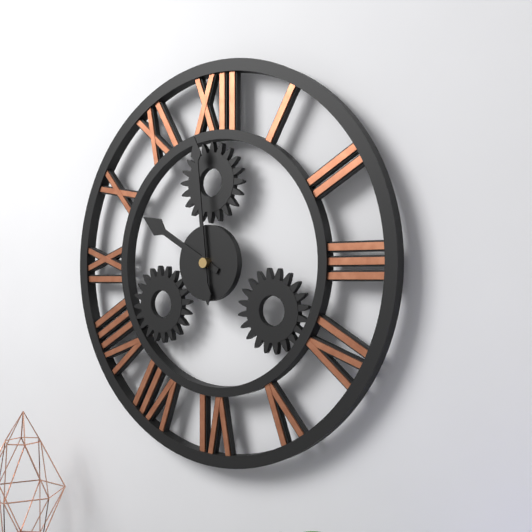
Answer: 9,59
